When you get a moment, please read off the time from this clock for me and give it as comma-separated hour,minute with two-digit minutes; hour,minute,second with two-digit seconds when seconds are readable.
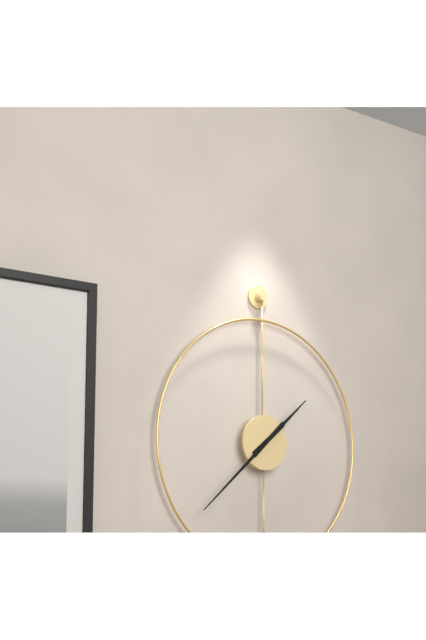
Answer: 1,38
